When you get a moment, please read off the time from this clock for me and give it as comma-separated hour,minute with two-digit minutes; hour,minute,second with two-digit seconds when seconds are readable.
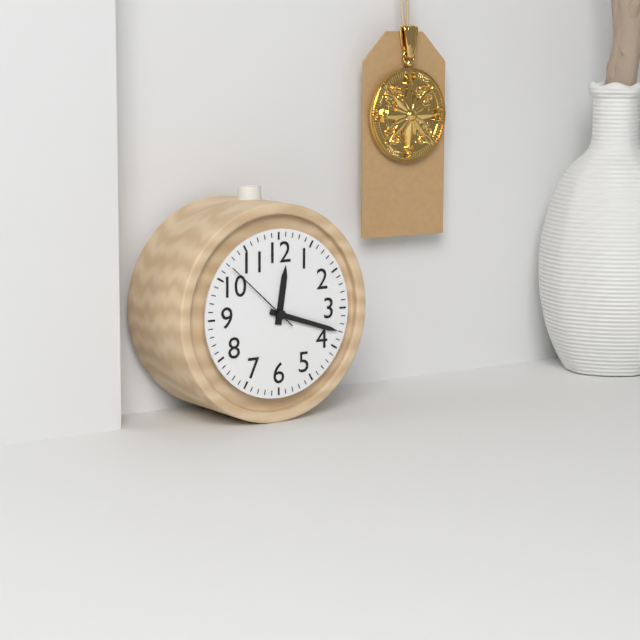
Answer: 12,18,52
